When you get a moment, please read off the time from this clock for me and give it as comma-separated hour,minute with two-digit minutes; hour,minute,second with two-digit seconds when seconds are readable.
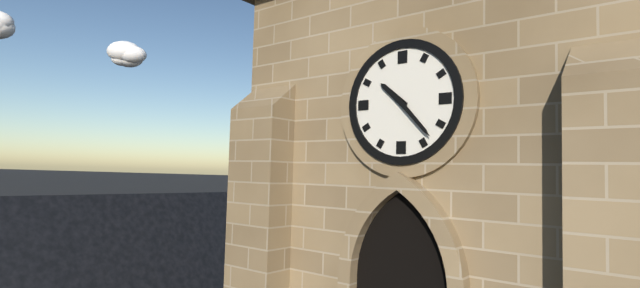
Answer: 10,23
